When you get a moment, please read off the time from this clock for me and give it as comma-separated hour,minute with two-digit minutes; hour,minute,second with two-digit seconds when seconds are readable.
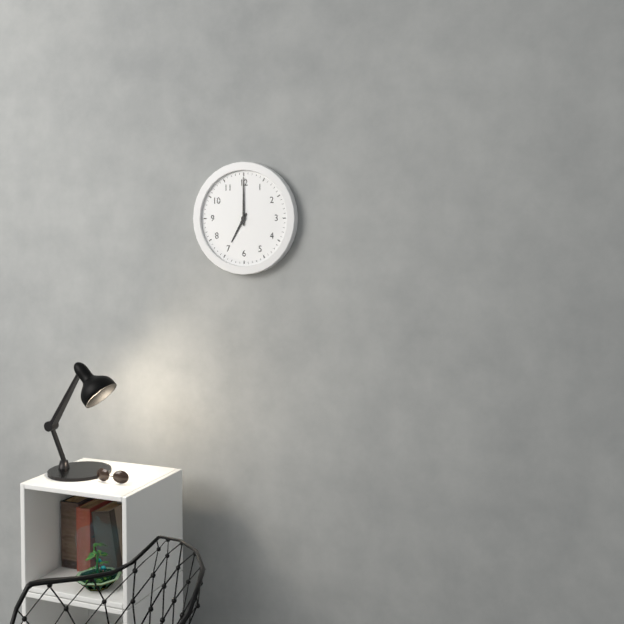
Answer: 7,00
